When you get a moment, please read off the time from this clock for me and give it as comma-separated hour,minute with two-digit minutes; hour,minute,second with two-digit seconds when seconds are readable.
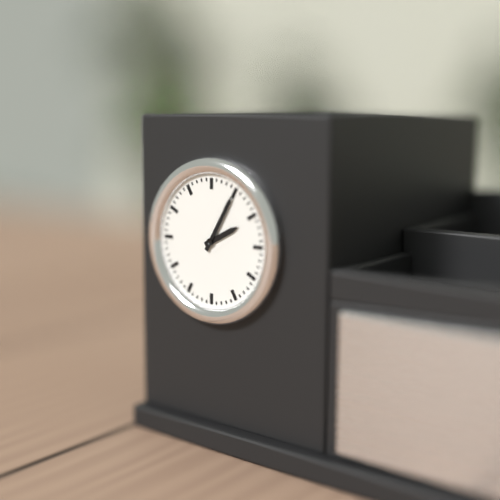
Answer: 2,05
